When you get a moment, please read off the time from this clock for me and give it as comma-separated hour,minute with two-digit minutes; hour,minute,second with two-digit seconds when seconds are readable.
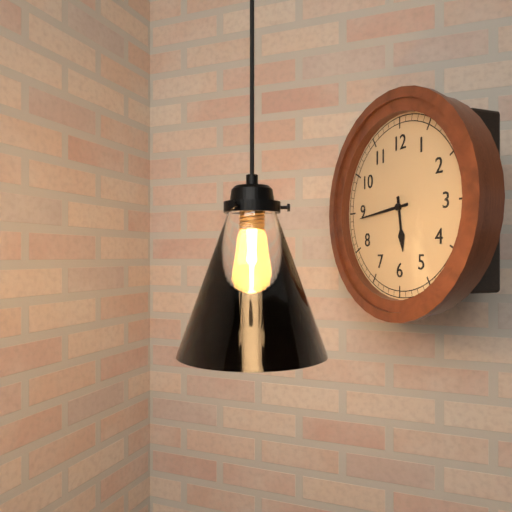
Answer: 5,44
